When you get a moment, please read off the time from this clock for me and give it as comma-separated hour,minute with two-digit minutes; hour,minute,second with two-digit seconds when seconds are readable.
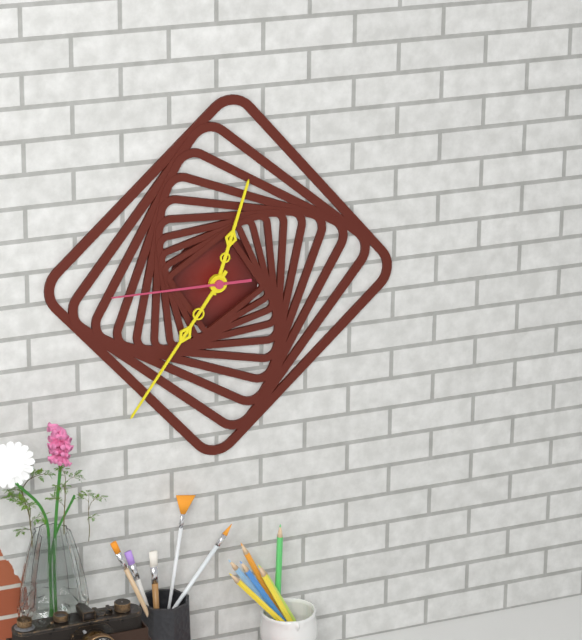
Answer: 12,36,45
